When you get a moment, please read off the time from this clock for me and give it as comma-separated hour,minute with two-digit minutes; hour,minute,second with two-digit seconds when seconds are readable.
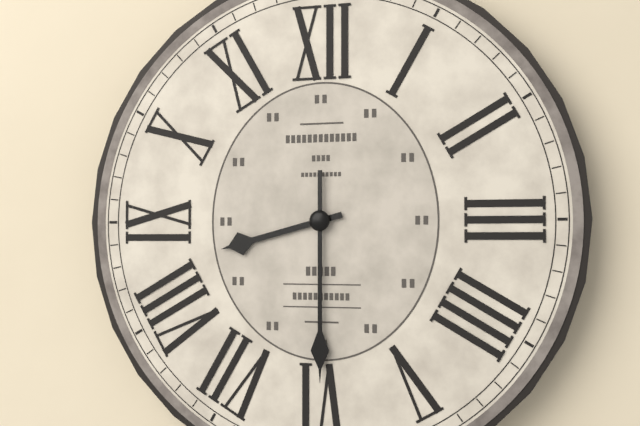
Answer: 8,30
